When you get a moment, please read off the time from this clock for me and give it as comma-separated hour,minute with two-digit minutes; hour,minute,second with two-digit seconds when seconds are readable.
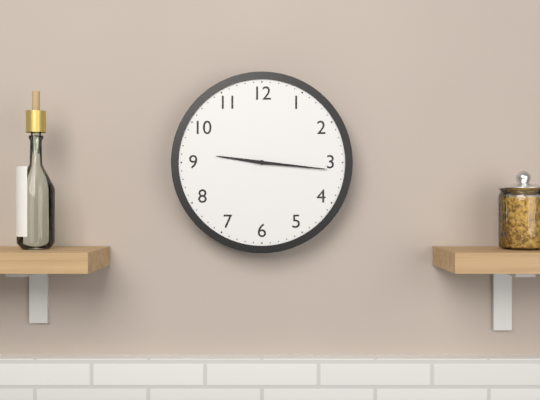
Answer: 9,16
